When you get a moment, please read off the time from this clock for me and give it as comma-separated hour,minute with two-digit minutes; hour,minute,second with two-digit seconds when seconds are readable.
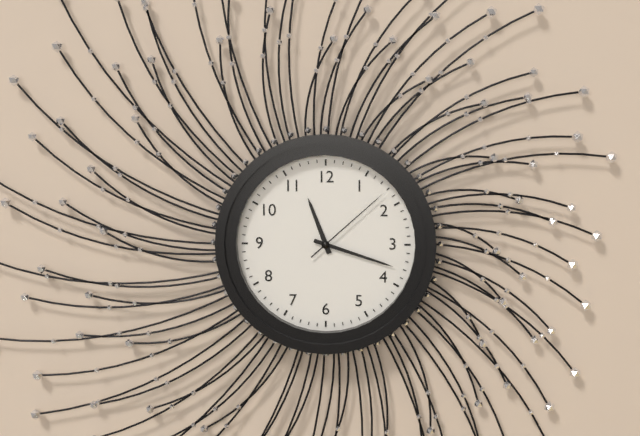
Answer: 11,18,08
